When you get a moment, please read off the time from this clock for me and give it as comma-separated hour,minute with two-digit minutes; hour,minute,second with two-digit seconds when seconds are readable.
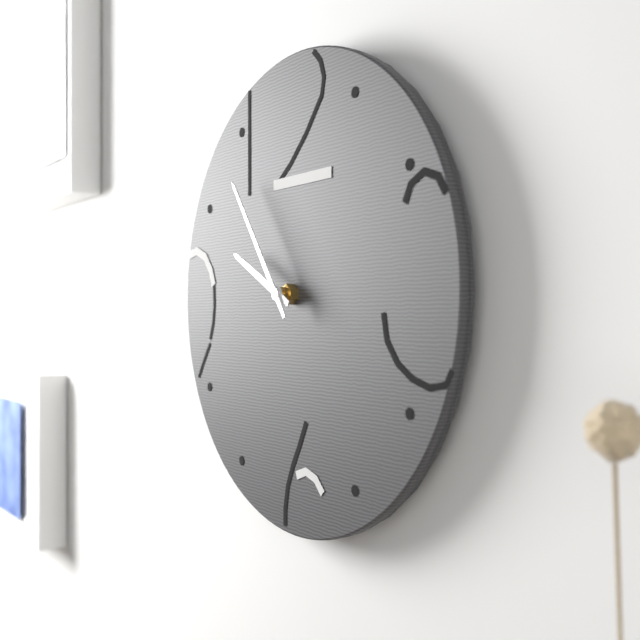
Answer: 9,54
